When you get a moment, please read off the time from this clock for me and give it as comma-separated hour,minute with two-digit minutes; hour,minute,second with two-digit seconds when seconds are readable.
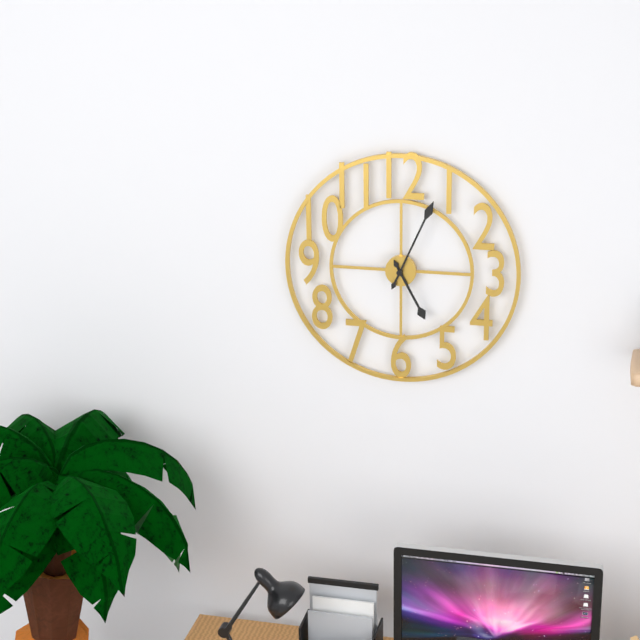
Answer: 5,04
